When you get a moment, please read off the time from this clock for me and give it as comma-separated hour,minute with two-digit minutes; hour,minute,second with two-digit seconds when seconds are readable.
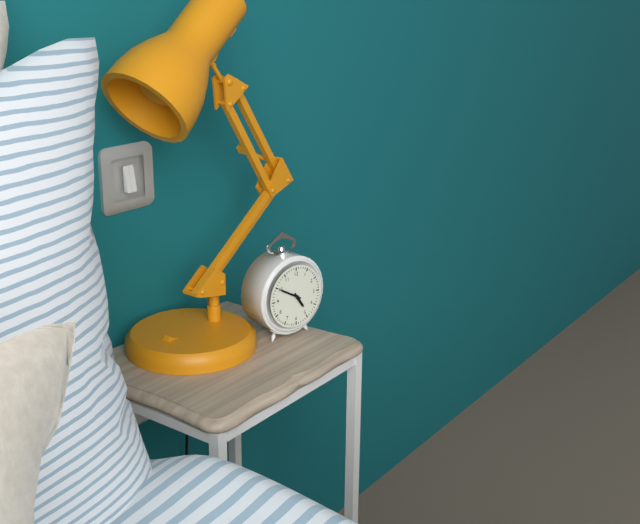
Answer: 4,50
